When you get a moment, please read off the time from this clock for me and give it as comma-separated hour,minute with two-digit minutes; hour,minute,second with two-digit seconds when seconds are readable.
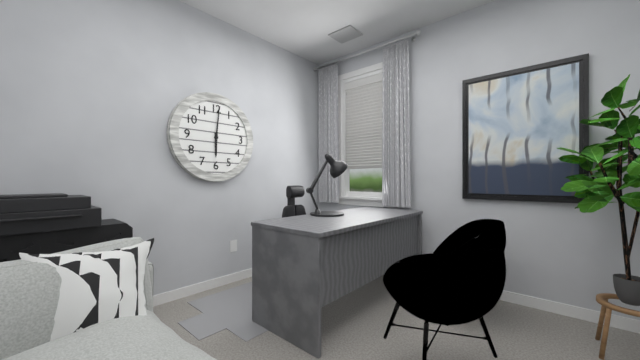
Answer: 6,01
